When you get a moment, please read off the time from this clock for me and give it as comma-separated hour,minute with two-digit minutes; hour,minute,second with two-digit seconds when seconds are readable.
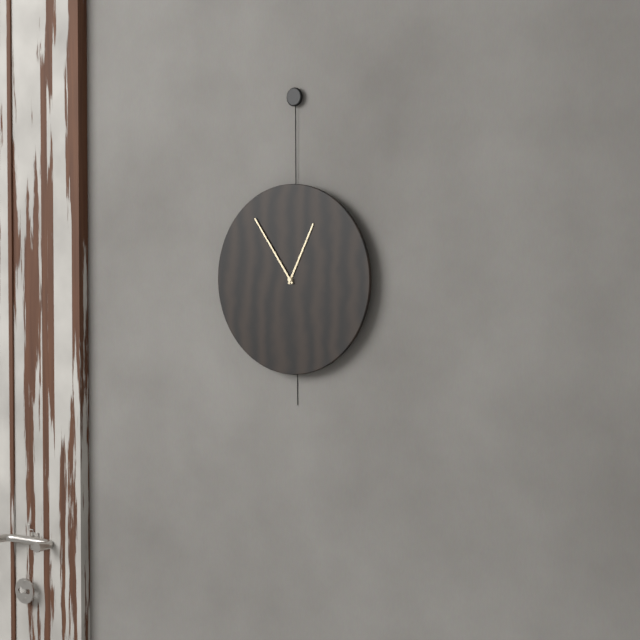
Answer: 12,54
